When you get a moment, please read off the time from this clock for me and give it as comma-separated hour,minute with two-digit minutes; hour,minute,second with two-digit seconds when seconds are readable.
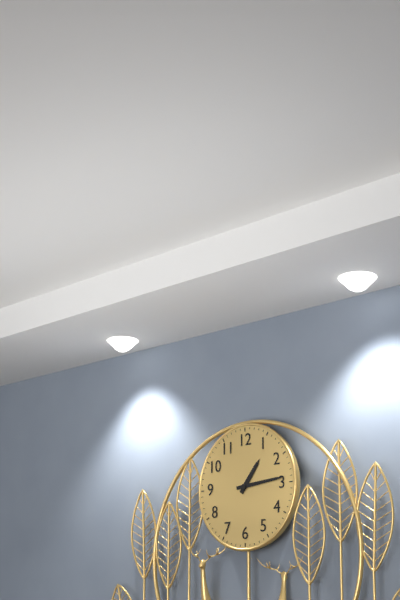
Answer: 1,14
